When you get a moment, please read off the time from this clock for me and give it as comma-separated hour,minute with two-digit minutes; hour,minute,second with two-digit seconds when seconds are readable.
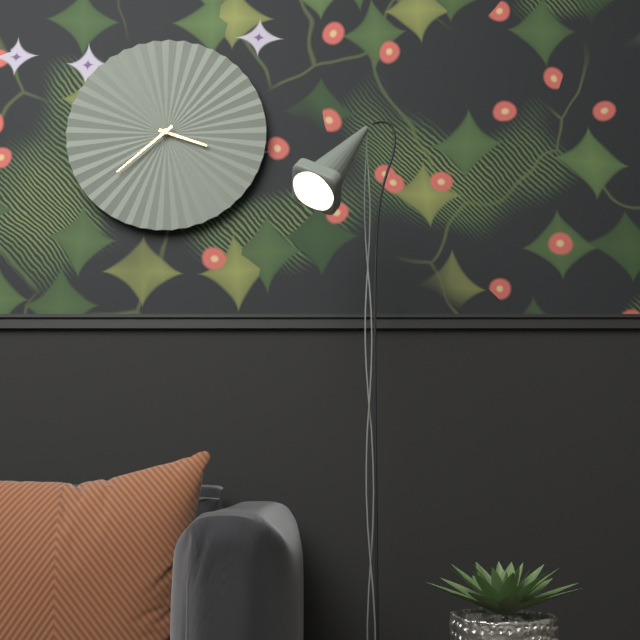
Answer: 3,38
